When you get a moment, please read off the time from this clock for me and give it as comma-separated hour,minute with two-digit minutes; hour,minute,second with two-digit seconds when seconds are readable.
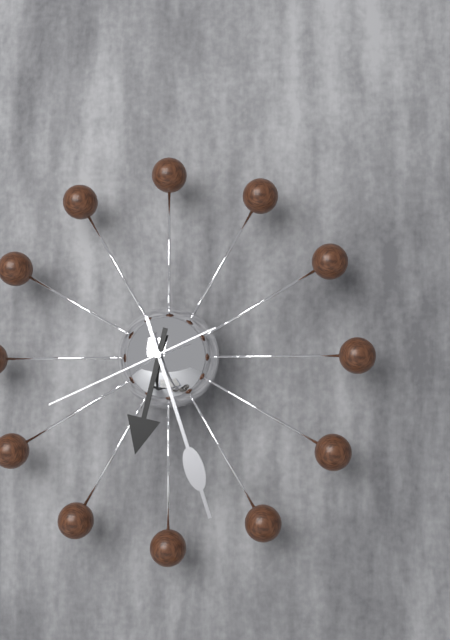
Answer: 6,27,41
